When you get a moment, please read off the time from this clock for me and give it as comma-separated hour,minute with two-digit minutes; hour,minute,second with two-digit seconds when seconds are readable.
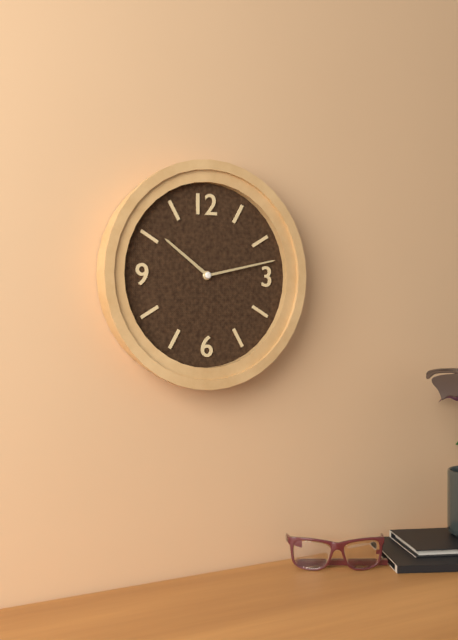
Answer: 10,13
